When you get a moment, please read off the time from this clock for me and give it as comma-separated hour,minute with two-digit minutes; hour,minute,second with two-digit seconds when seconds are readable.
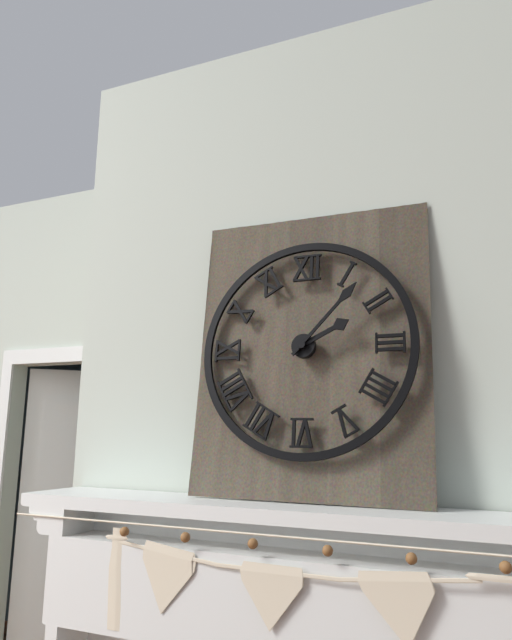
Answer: 2,07
